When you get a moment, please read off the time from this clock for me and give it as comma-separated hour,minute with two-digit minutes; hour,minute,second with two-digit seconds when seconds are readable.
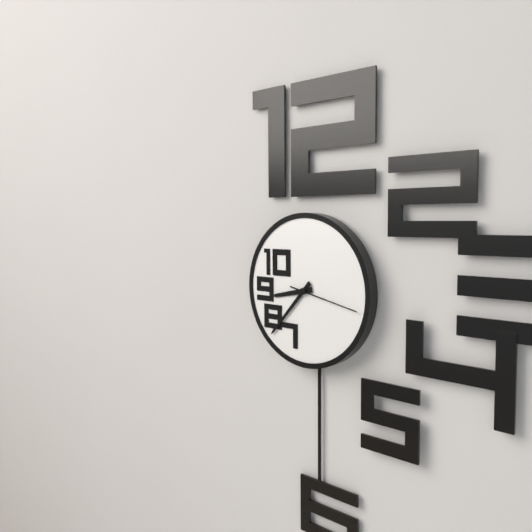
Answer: 8,37,17
